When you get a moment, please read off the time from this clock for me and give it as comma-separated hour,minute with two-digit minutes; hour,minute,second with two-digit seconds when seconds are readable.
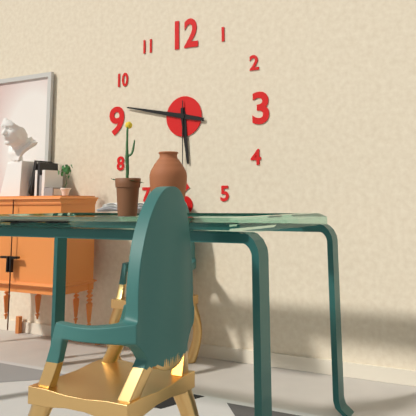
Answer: 5,47,30
